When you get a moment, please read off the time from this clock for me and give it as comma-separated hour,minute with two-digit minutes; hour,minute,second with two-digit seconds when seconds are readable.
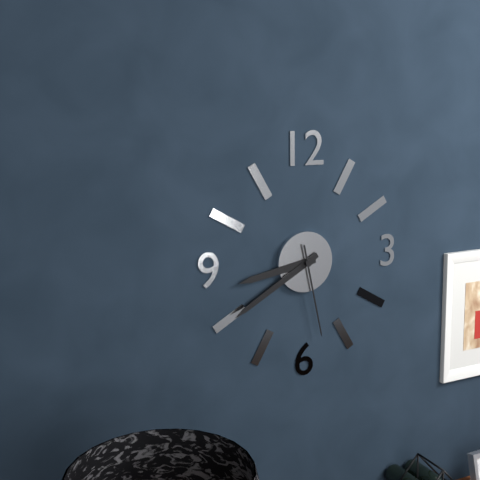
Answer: 8,40,28
